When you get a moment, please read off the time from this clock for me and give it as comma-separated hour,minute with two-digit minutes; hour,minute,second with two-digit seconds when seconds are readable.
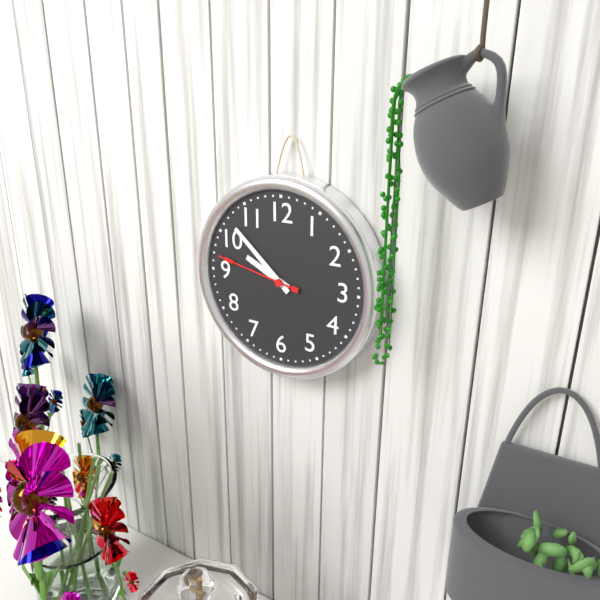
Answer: 9,52,47
